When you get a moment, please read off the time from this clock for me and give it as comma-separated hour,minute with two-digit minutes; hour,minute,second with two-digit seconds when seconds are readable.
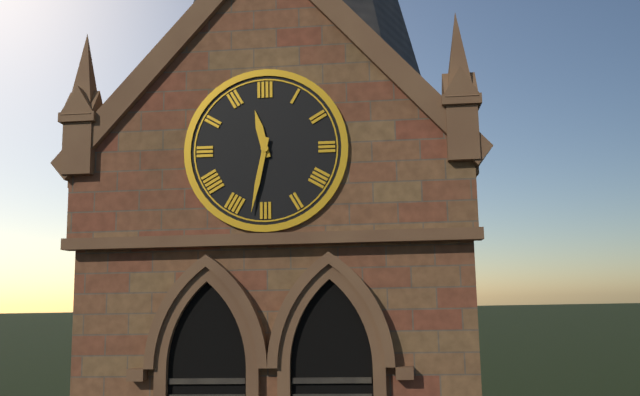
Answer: 11,32
